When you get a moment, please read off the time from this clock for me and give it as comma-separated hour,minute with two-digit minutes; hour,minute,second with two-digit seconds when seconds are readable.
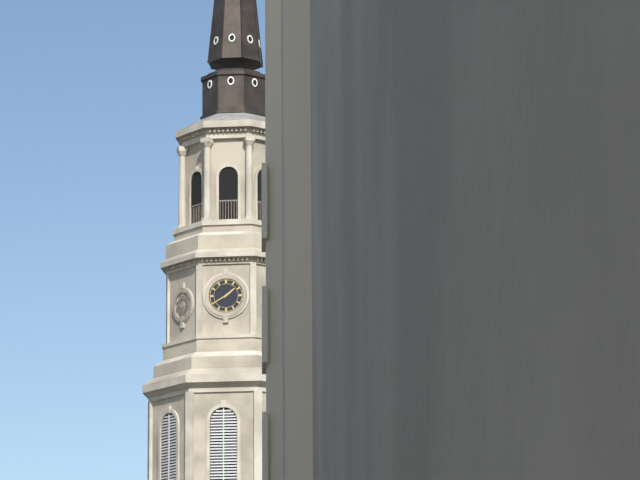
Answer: 1,40
